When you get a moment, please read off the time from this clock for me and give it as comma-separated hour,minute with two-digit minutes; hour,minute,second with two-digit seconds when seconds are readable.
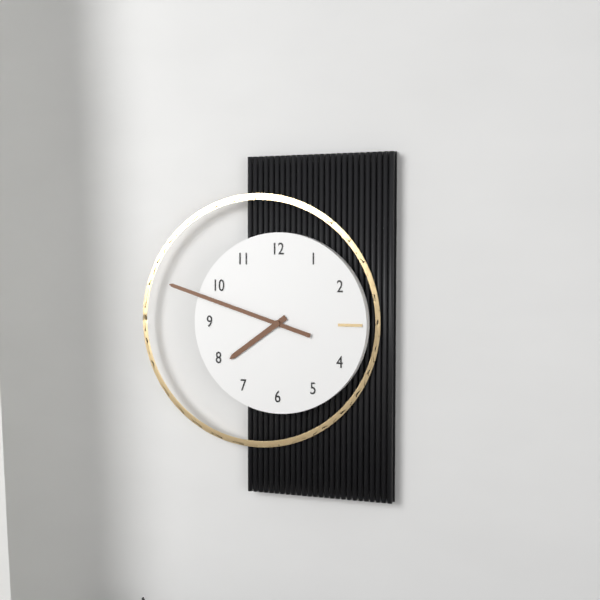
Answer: 7,48
